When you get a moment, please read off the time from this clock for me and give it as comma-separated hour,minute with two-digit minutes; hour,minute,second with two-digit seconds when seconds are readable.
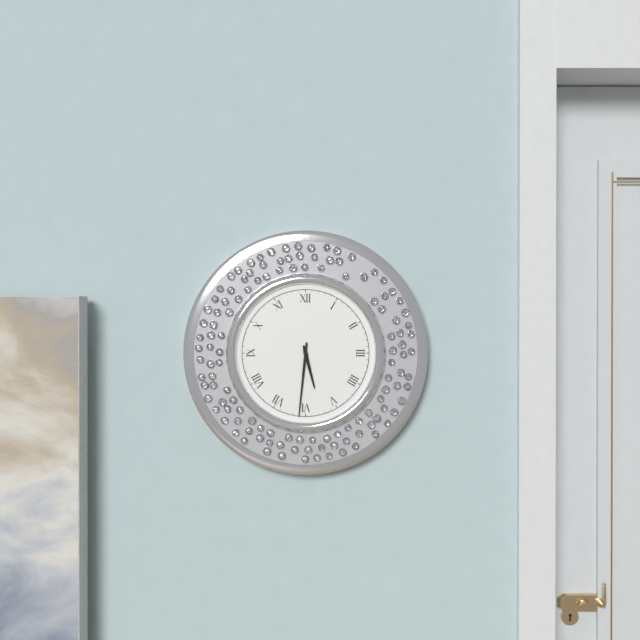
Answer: 5,31
